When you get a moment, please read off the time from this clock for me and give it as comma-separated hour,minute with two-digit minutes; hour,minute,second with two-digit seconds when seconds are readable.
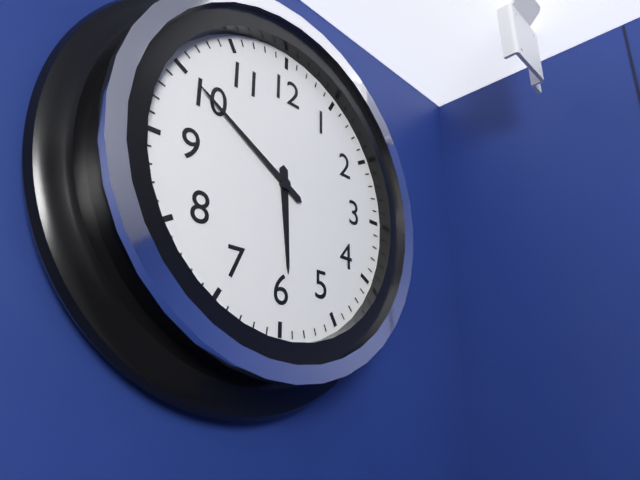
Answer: 5,50
